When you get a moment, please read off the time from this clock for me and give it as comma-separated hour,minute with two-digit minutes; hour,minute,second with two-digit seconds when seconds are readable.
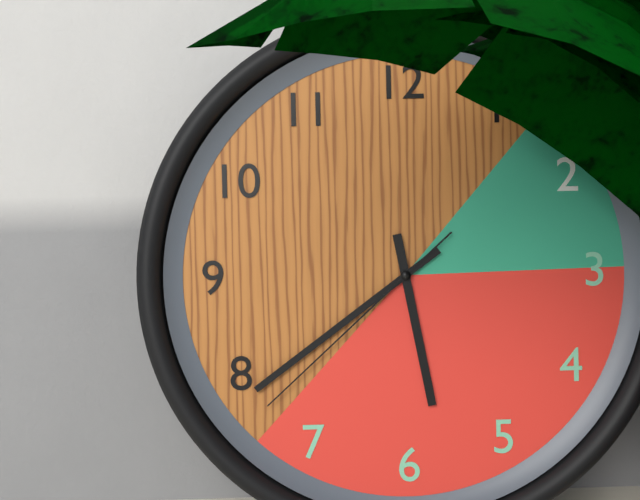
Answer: 5,39,38
